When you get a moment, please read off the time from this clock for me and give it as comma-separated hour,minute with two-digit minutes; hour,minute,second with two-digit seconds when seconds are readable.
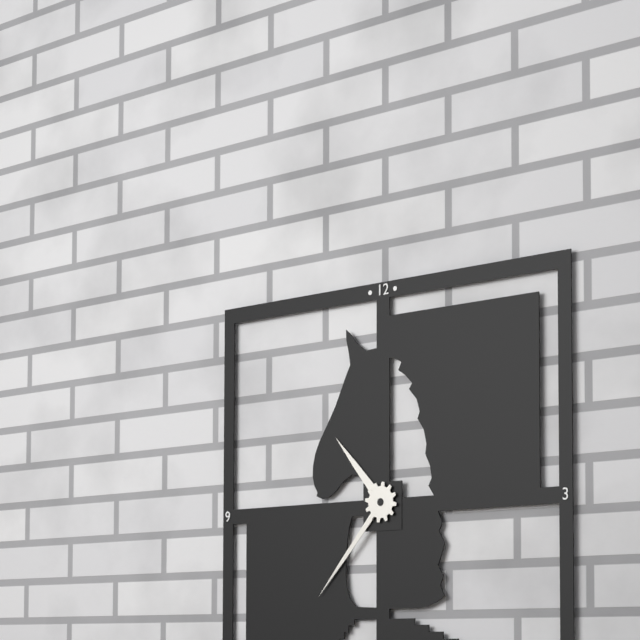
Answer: 10,37
